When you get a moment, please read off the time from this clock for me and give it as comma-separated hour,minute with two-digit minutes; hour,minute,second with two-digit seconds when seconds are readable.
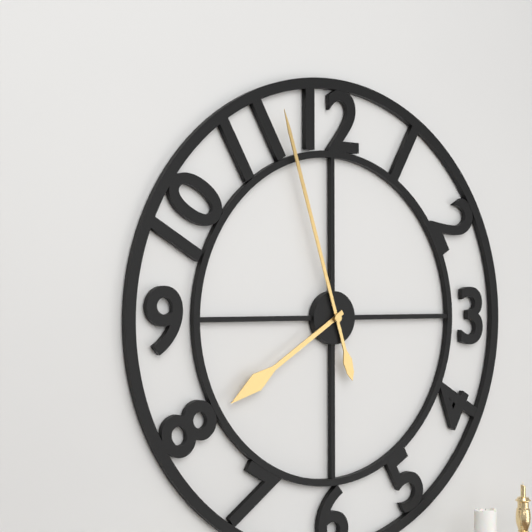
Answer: 7,57
